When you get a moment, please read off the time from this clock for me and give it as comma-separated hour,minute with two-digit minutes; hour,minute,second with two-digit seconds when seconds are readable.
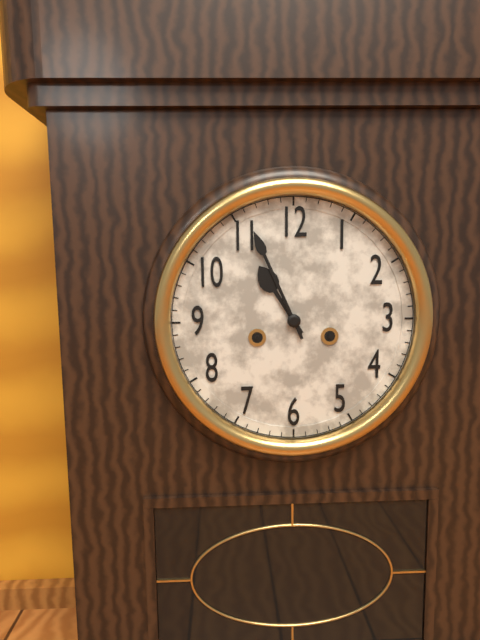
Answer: 10,56
